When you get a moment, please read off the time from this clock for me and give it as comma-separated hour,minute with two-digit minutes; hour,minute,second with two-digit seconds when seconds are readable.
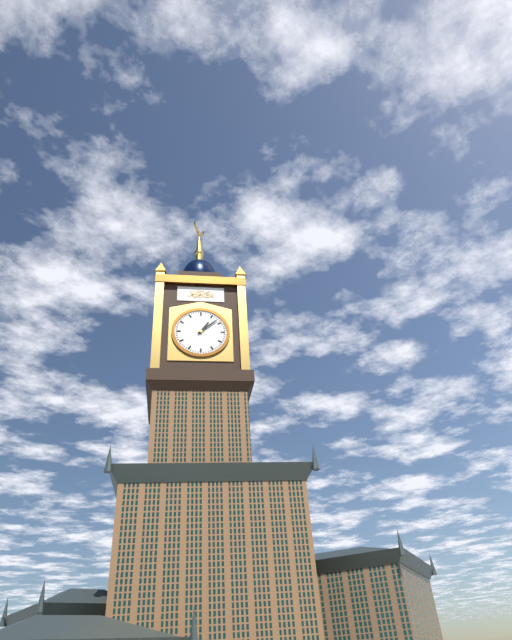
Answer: 1,08
